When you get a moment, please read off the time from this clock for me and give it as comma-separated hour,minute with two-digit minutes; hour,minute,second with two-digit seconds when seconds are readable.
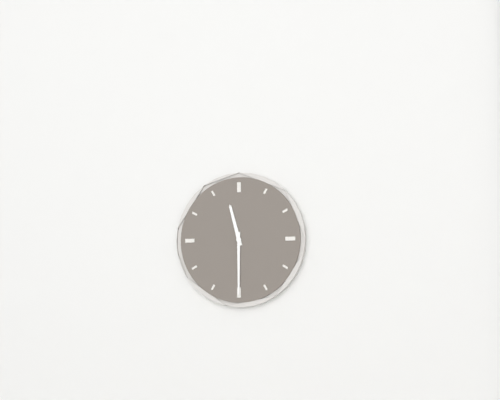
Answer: 11,30
